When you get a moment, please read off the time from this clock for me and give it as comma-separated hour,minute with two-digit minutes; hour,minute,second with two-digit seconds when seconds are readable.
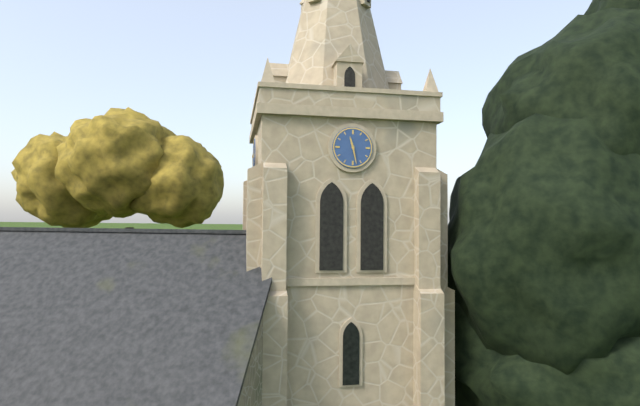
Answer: 11,28
